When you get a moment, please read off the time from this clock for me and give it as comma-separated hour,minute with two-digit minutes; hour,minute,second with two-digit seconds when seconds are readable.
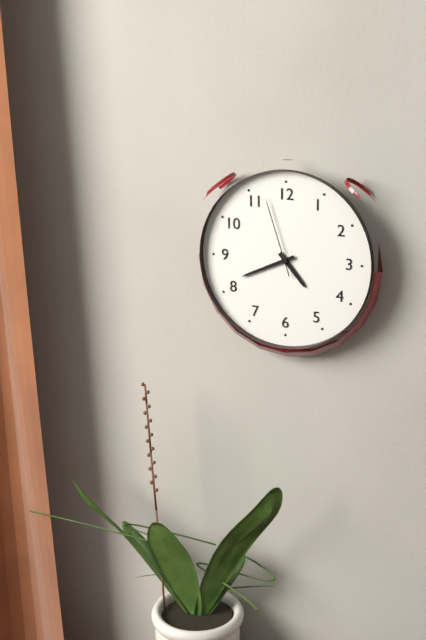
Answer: 4,41,57
